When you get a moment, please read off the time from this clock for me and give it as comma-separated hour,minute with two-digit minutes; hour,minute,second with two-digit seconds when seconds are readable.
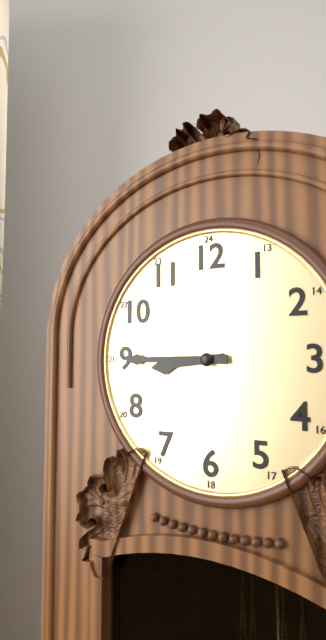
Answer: 8,45
